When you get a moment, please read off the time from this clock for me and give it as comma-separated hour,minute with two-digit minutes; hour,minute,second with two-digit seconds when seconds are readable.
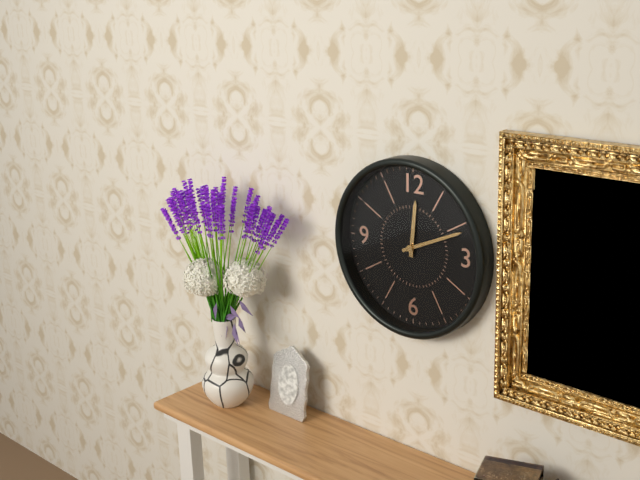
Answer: 12,11
